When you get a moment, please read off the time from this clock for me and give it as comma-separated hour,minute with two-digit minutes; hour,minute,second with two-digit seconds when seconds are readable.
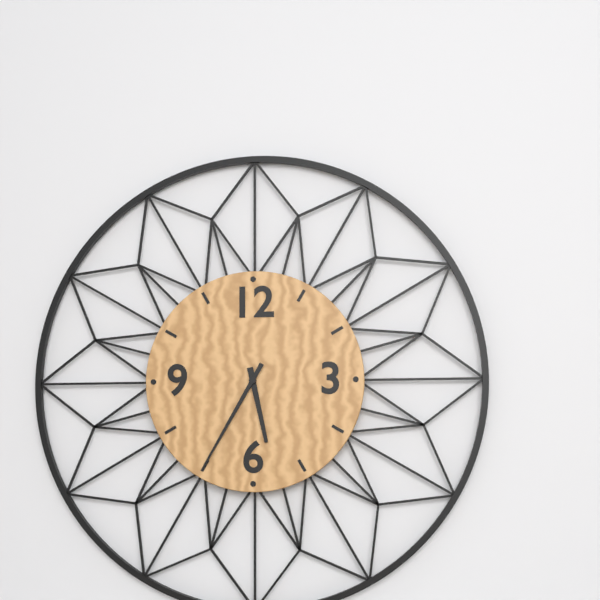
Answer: 5,35
